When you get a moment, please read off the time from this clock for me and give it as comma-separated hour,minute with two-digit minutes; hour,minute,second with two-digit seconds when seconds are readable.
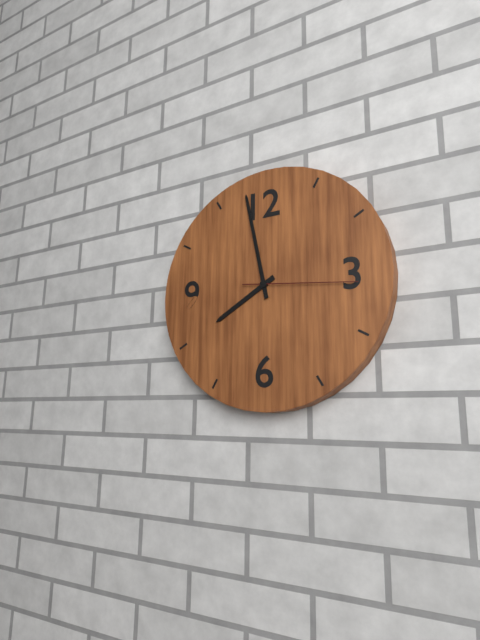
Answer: 7,58,16
